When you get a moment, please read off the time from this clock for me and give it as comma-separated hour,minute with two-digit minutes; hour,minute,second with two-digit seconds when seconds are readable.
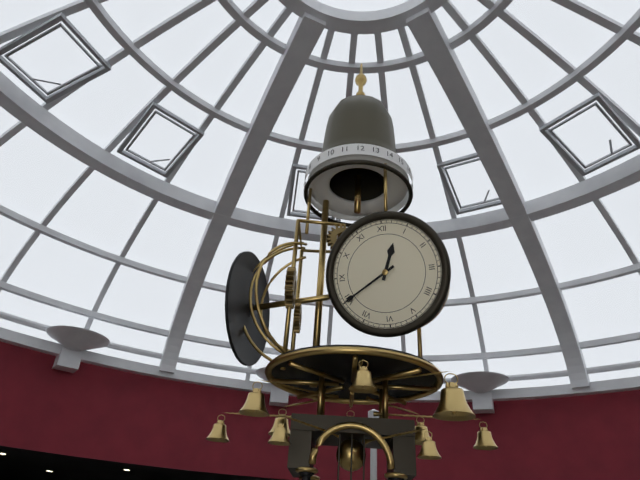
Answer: 12,40
